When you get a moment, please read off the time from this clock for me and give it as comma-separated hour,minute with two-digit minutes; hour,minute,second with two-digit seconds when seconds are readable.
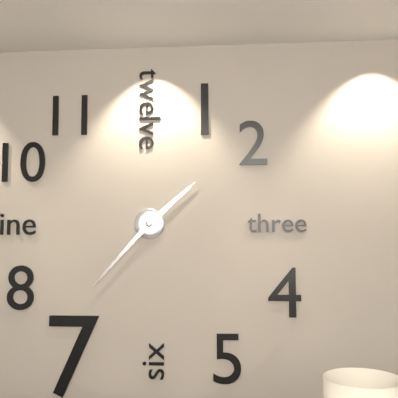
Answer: 1,37
